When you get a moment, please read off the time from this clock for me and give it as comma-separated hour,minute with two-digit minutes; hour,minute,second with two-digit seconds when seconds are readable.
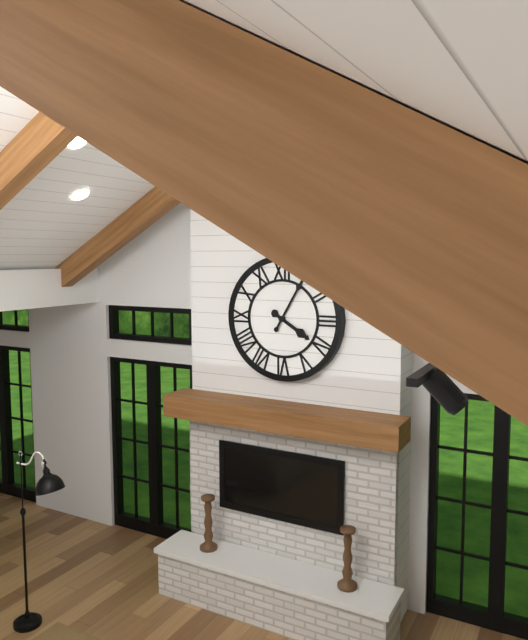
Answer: 4,05
